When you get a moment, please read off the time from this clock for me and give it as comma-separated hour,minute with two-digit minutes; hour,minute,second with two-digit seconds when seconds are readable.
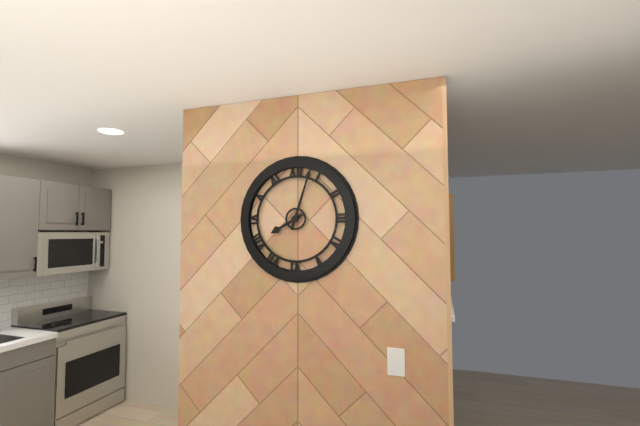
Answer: 8,03
